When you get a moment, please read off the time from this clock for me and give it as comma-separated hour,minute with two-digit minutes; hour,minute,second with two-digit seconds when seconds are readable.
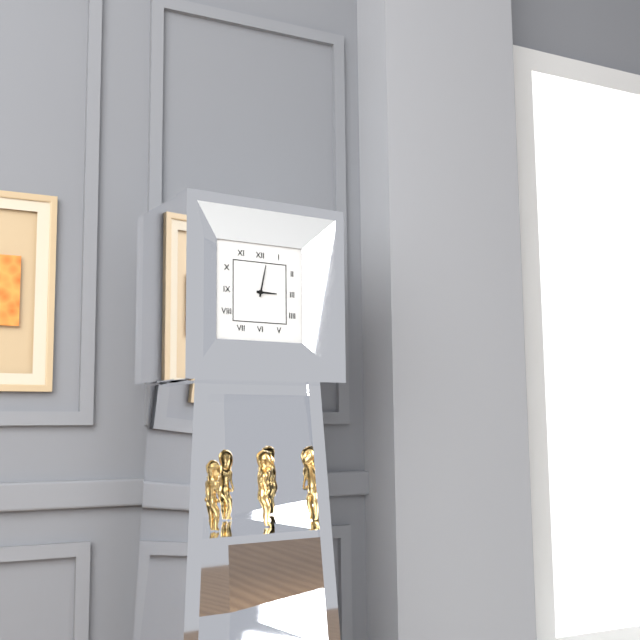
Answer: 3,02
